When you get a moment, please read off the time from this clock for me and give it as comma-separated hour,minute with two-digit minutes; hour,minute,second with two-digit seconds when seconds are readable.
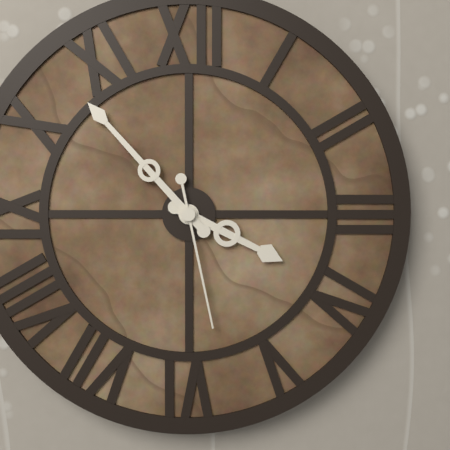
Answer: 3,53,28
